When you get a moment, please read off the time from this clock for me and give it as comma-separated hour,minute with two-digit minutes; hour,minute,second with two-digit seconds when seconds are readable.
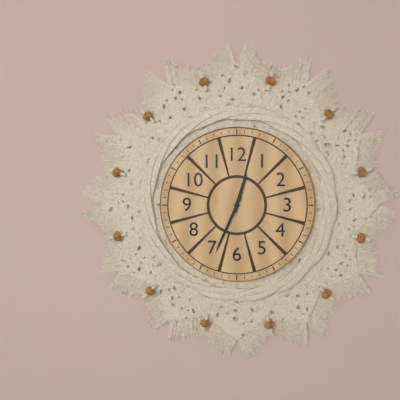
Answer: 12,34
